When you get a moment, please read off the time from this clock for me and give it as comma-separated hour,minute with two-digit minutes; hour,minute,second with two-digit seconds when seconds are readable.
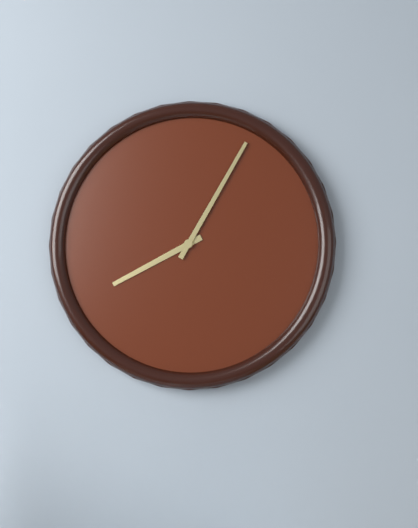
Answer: 8,05
